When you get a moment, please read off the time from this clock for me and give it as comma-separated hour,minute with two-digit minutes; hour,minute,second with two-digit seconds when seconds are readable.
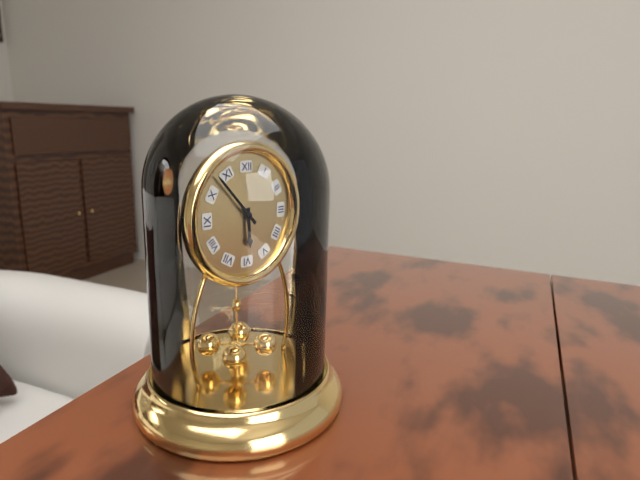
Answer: 5,53
